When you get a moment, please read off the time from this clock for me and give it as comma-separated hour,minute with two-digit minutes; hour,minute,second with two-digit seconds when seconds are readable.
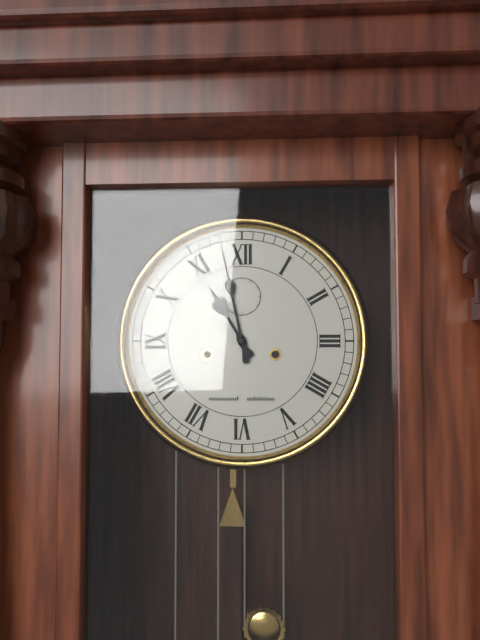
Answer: 10,58
